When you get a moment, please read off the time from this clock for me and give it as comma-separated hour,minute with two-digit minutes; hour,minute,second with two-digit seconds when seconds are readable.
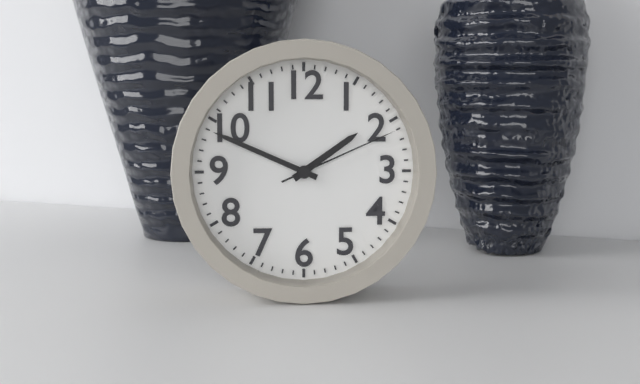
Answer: 1,49,11
